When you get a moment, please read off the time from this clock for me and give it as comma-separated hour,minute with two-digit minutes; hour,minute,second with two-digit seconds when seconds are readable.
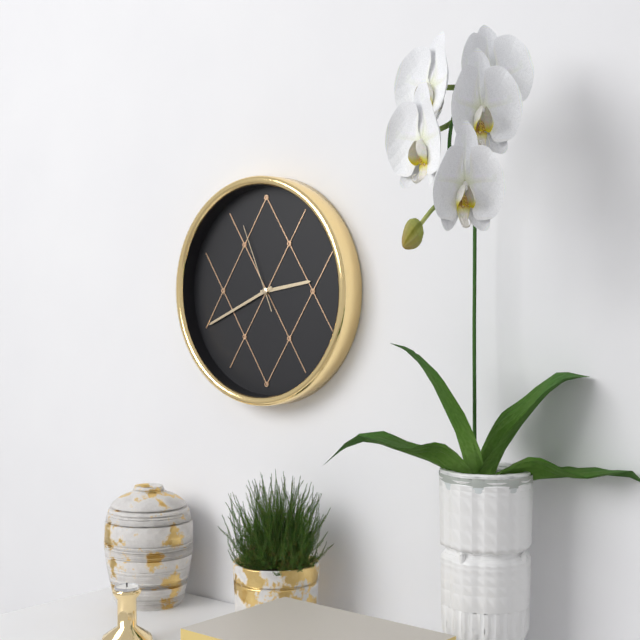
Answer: 2,41,56
